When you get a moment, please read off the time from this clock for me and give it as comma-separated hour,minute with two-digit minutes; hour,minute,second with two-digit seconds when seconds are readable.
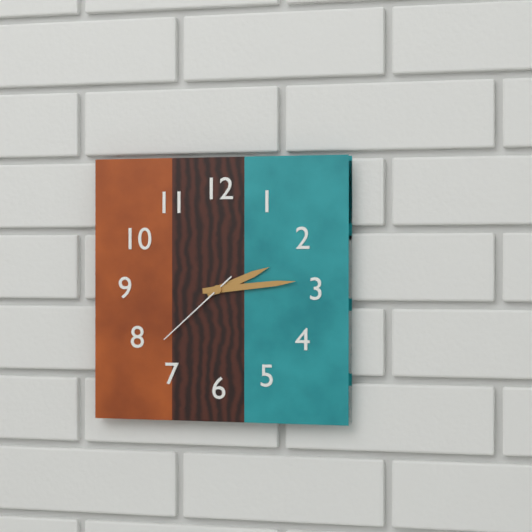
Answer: 2,14,38
